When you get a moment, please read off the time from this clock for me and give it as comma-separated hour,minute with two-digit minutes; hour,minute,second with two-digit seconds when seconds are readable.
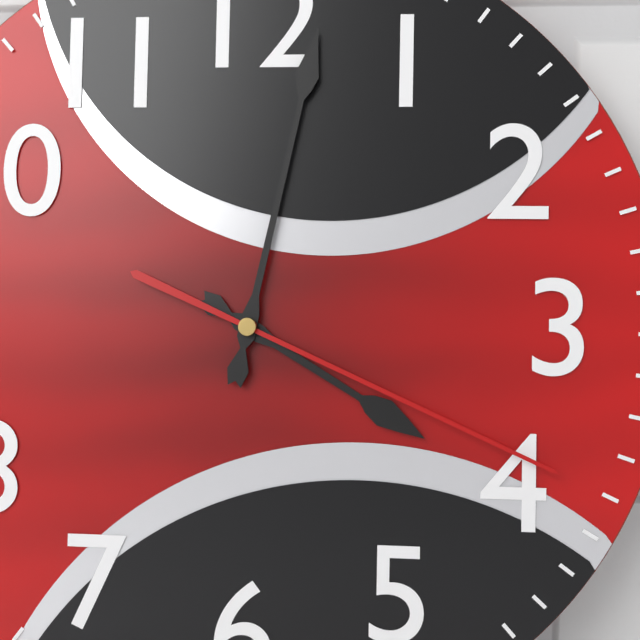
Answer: 4,02,19
